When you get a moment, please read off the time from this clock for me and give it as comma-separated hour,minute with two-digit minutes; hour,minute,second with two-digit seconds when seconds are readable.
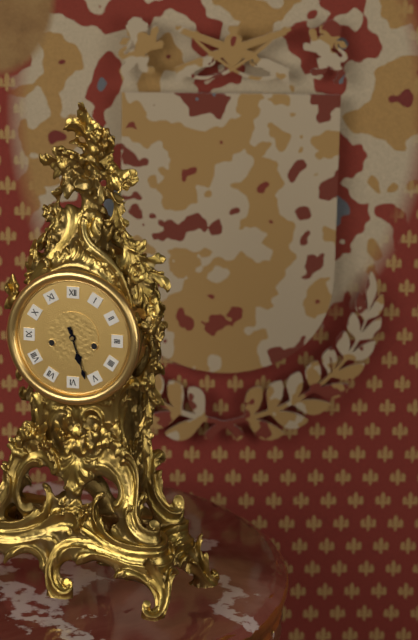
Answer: 5,27
